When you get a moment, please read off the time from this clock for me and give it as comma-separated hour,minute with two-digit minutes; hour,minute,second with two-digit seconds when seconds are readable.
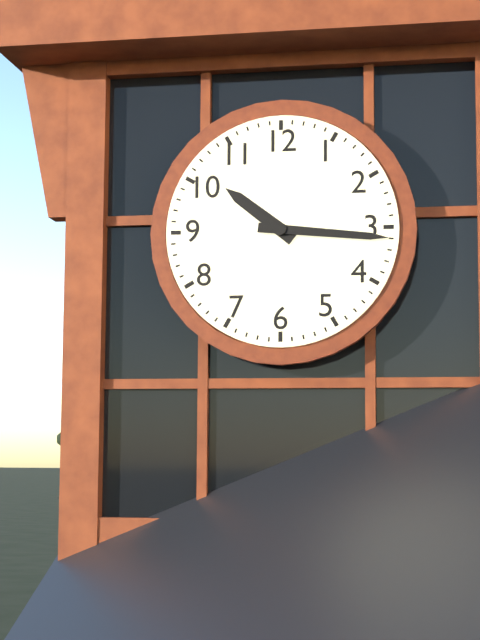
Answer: 10,16
